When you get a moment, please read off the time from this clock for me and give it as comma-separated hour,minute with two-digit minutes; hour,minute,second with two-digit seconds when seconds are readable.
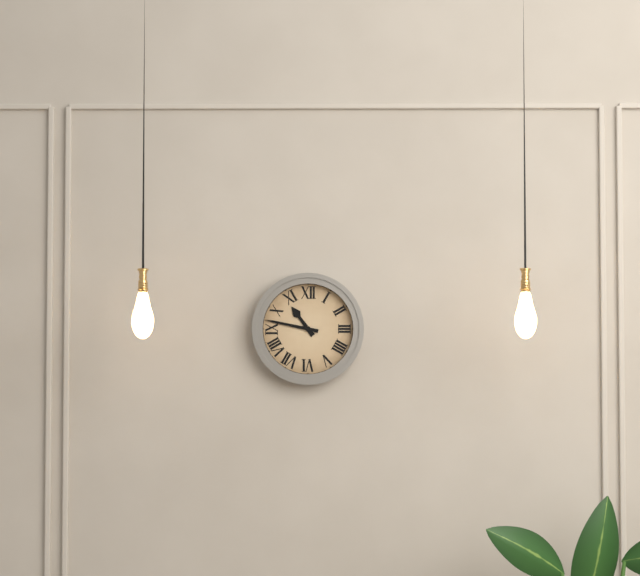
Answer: 10,47
